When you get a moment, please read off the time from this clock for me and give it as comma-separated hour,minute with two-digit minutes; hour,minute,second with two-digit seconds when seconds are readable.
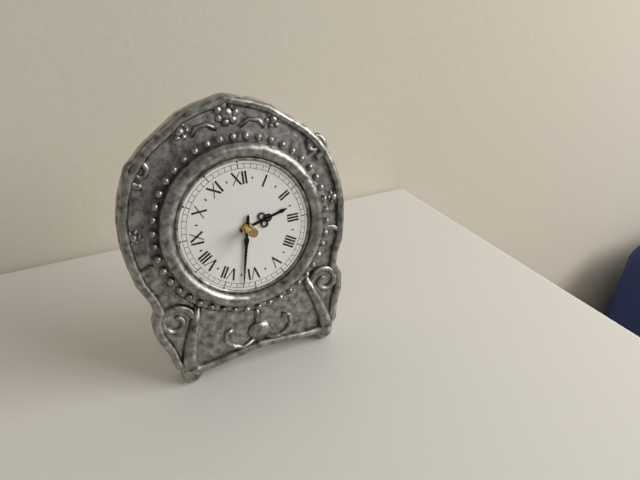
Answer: 2,32
